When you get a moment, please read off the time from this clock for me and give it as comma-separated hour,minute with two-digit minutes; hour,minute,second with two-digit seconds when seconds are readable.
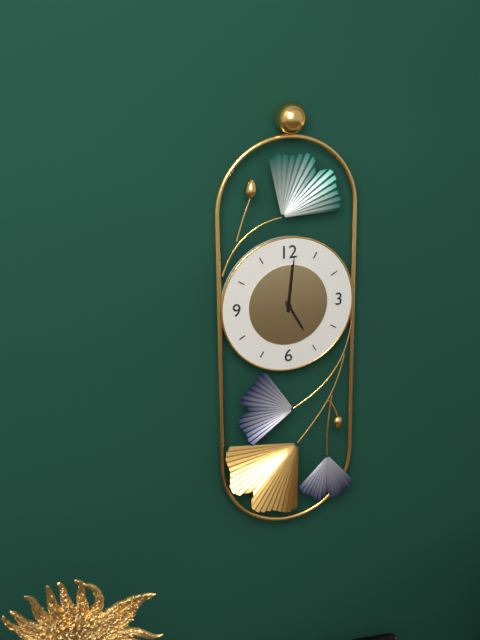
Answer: 5,01
